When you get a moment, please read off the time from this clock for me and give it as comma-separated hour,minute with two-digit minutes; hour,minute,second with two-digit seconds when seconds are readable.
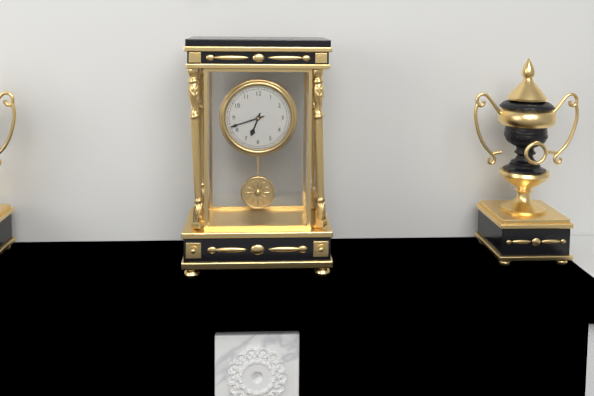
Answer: 6,42
